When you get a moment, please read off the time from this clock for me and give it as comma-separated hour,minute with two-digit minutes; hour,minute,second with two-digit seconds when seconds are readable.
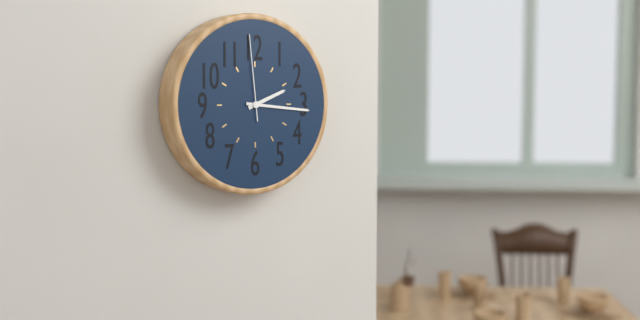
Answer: 2,16,59
